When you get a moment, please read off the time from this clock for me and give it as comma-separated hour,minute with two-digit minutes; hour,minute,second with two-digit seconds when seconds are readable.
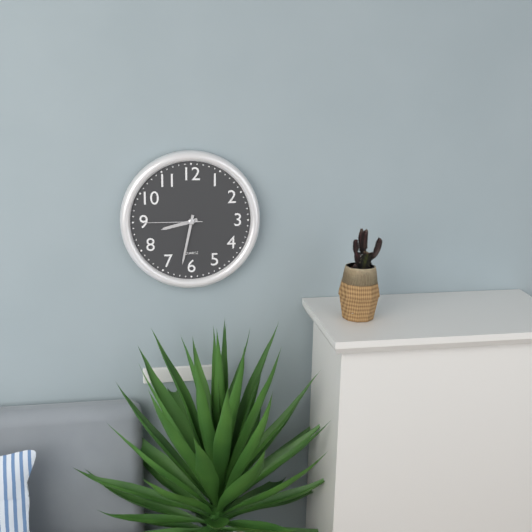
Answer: 8,32,45
